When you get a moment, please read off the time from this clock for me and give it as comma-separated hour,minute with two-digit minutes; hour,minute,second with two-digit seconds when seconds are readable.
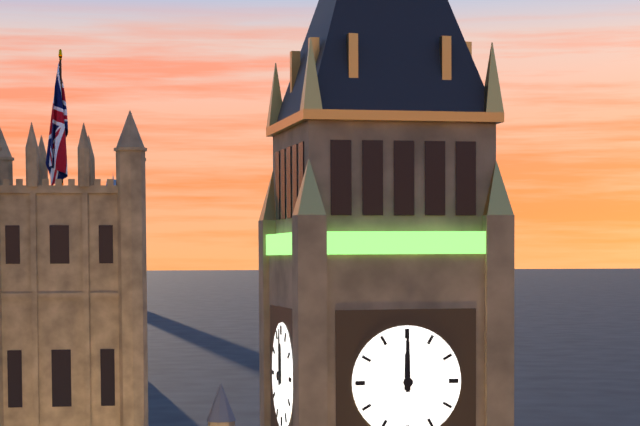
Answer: 12,00
